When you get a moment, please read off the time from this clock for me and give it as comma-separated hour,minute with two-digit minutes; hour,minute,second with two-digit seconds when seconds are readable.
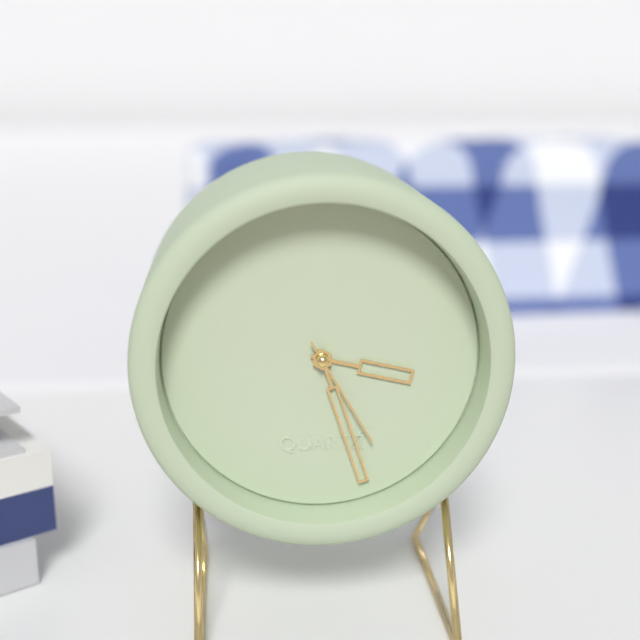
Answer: 3,27,25
